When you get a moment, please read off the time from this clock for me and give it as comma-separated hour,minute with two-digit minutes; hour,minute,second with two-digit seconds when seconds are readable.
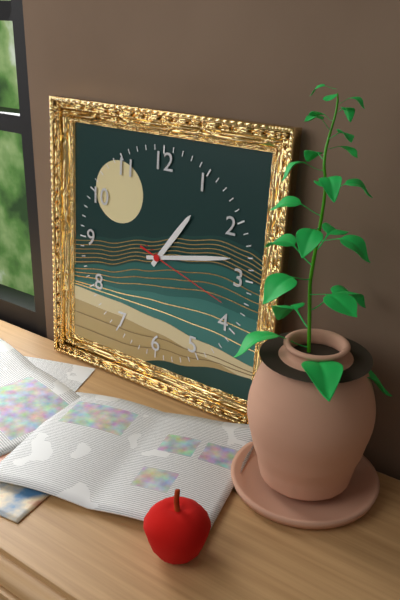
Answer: 1,13,18
